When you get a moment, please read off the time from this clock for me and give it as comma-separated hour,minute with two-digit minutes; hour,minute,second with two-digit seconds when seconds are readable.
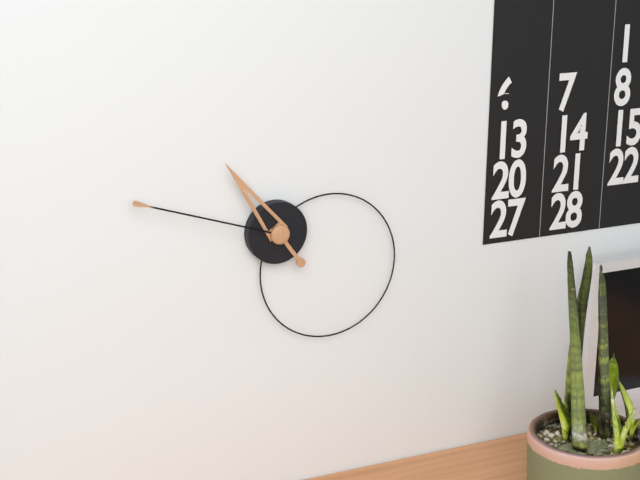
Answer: 10,48
